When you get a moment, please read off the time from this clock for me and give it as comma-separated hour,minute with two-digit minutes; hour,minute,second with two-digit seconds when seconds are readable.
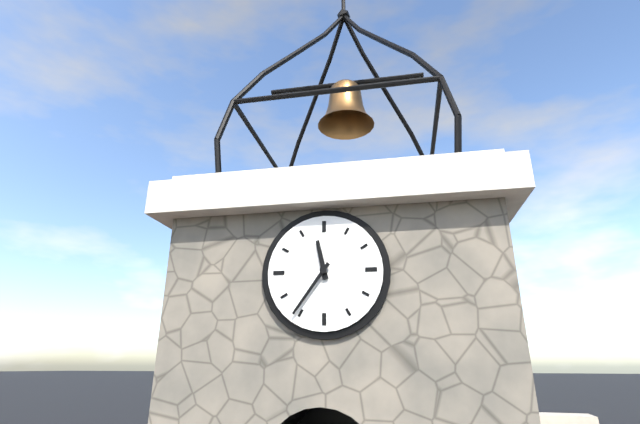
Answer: 11,36
